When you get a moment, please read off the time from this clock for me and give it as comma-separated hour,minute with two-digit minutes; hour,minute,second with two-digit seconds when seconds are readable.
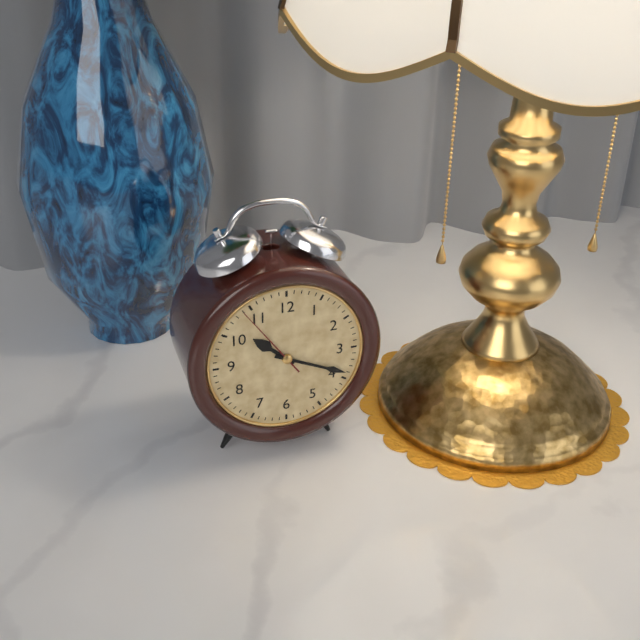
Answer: 10,19,54
